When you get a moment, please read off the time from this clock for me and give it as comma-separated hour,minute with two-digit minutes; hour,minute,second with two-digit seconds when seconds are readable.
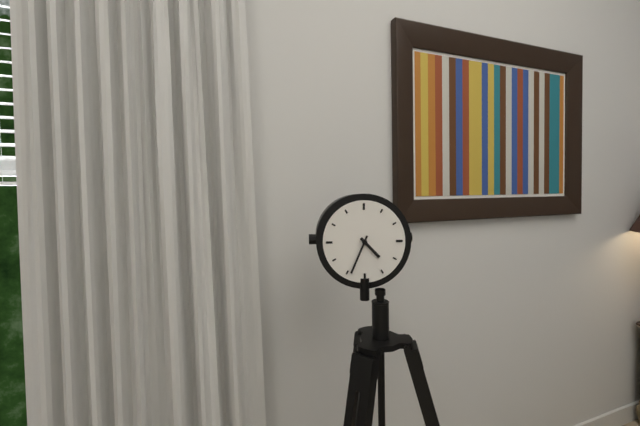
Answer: 4,34
